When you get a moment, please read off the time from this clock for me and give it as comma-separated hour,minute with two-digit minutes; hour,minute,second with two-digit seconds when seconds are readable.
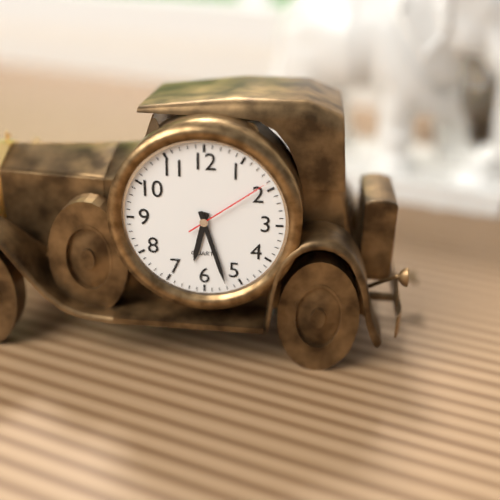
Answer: 6,27,09
